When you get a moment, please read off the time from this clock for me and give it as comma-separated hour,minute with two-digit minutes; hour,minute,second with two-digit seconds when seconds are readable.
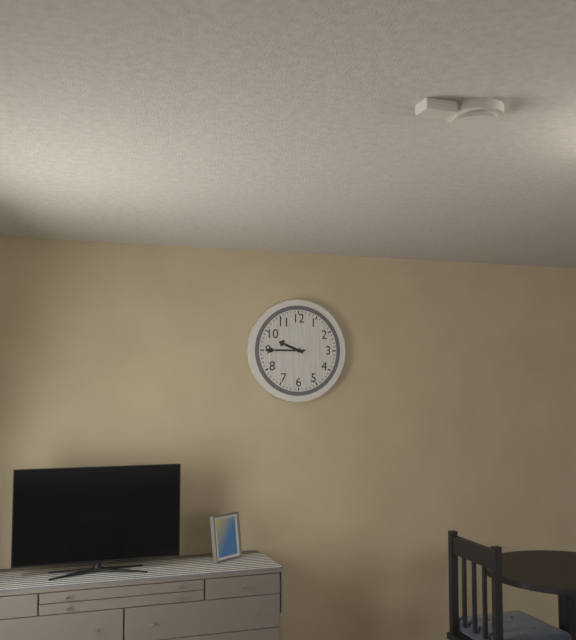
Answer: 9,45
